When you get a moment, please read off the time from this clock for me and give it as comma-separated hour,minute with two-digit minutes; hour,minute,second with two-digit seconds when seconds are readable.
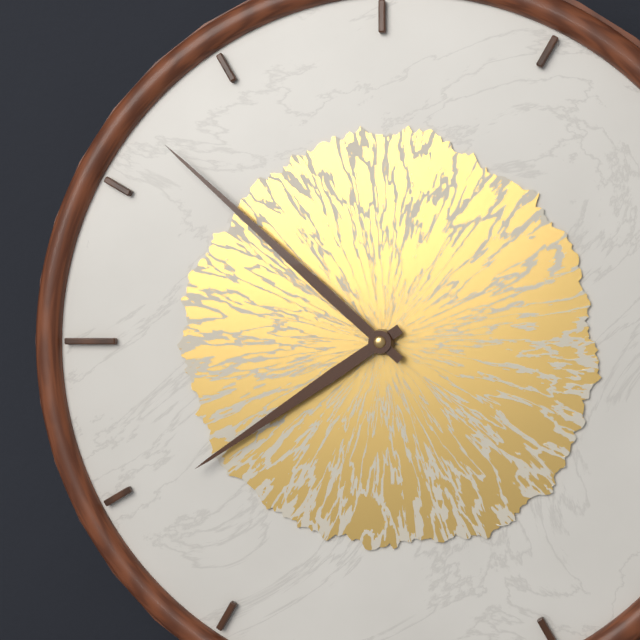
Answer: 7,52
